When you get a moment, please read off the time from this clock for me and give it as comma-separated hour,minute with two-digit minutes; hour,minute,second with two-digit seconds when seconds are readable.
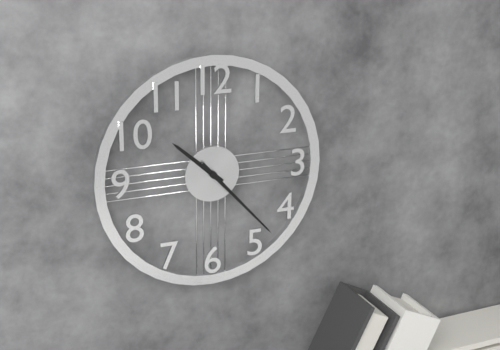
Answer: 10,23
